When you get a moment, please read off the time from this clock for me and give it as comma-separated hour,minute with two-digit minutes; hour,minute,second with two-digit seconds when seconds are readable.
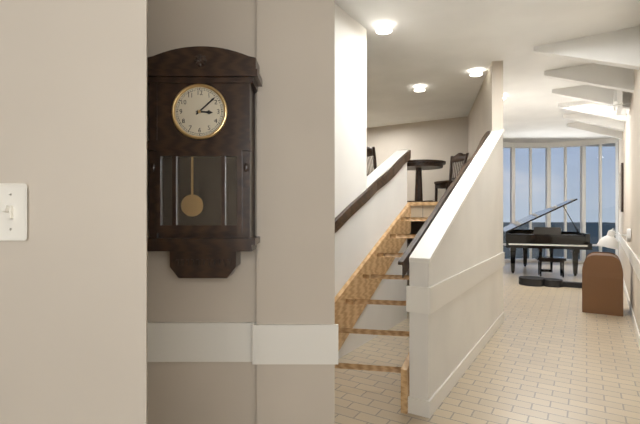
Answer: 3,08
